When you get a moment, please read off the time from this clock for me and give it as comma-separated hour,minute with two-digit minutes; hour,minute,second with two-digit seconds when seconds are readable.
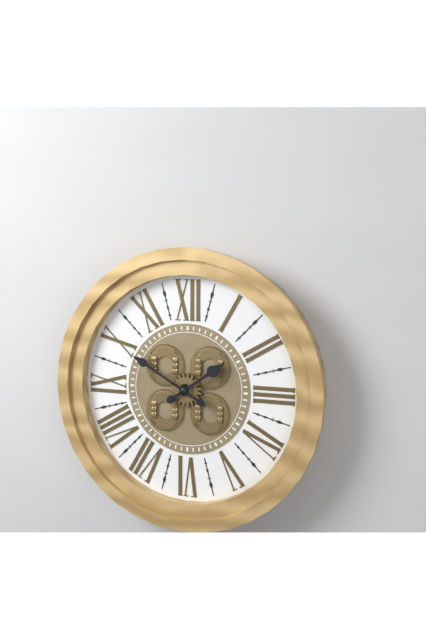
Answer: 1,50
